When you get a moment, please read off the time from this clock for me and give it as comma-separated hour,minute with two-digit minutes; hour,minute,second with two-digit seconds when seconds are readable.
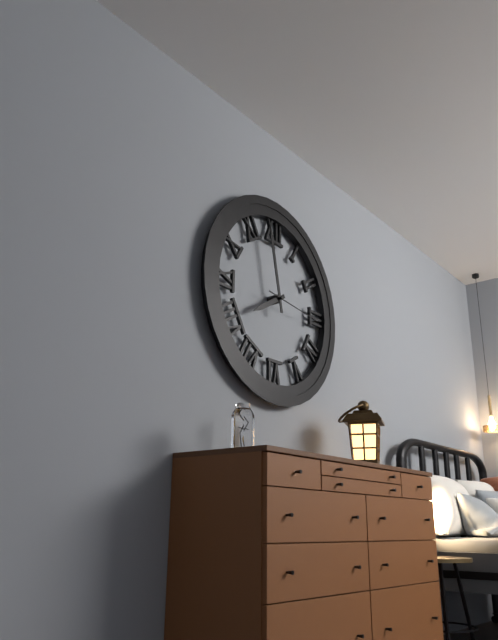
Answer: 7,58,16
